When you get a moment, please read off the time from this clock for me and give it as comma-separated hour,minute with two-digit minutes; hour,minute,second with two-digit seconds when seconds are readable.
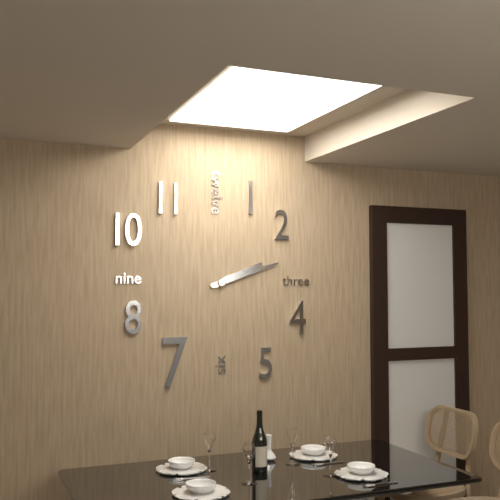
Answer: 2,12
